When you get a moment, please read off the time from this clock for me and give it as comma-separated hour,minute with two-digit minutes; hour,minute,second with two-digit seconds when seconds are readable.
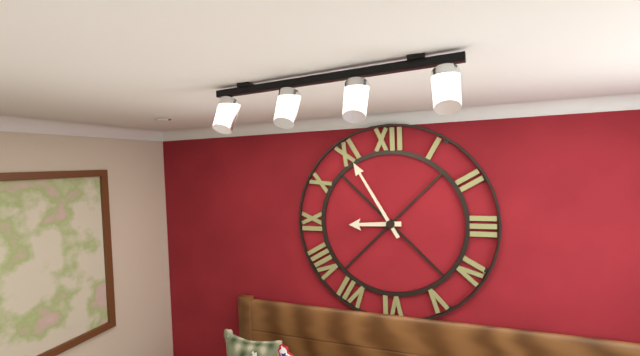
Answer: 8,55
